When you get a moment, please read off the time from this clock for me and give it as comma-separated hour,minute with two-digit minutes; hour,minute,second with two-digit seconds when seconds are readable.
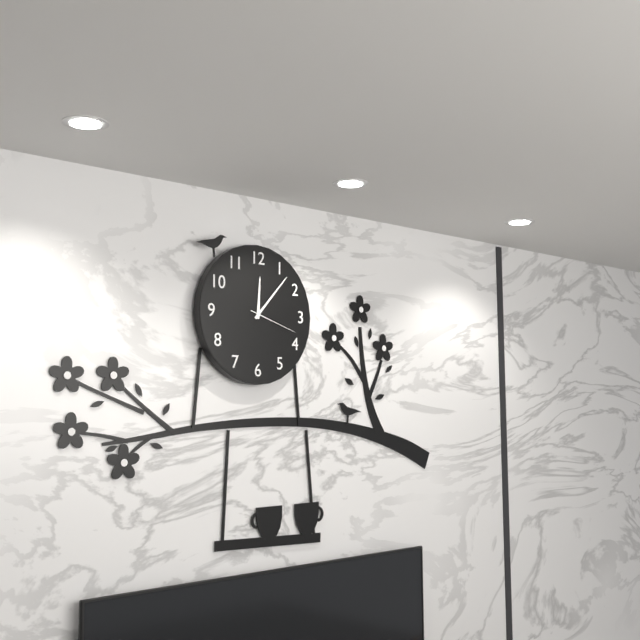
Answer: 12,07,18
